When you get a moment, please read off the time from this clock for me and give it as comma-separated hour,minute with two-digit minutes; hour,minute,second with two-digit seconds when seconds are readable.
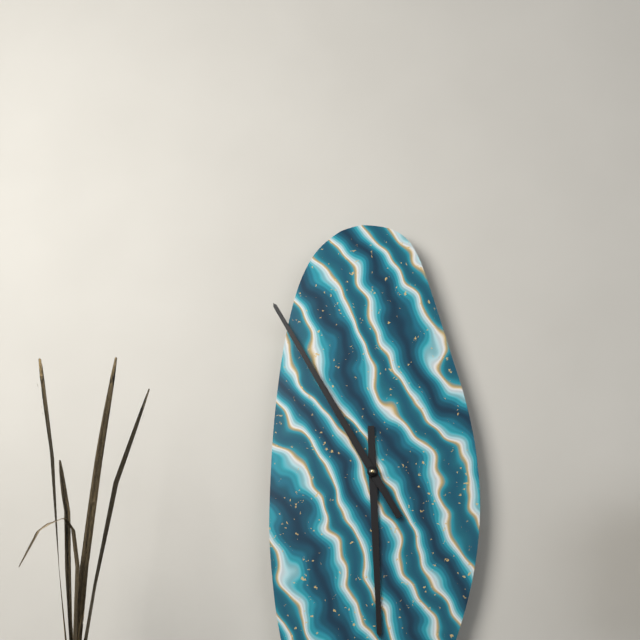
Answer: 5,55
